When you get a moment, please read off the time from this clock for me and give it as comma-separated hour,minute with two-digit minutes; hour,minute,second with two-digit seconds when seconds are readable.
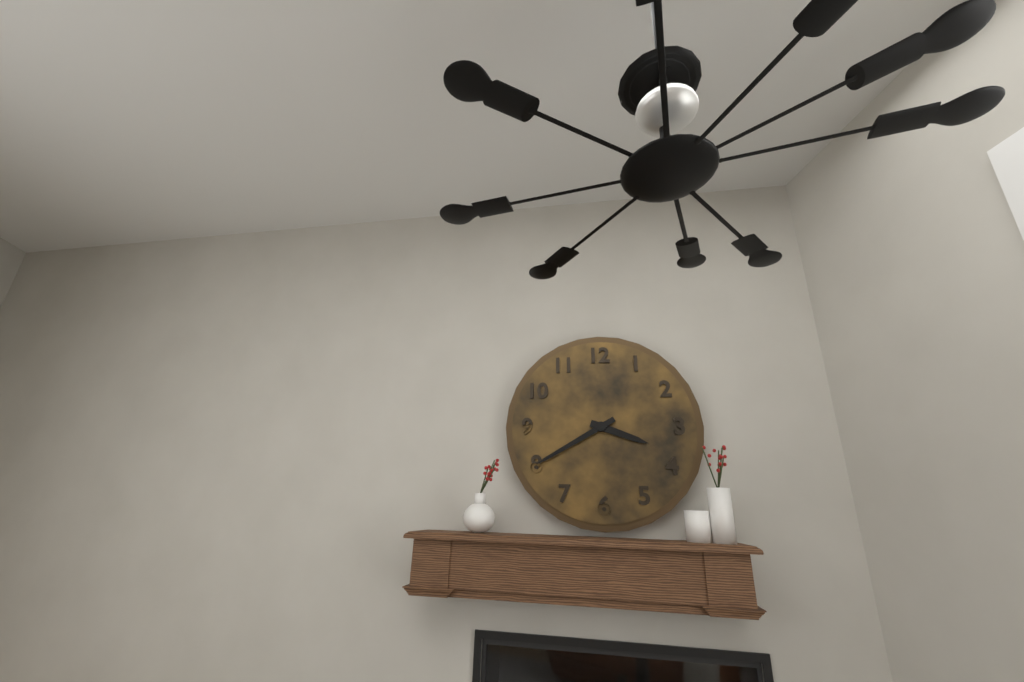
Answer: 3,40
